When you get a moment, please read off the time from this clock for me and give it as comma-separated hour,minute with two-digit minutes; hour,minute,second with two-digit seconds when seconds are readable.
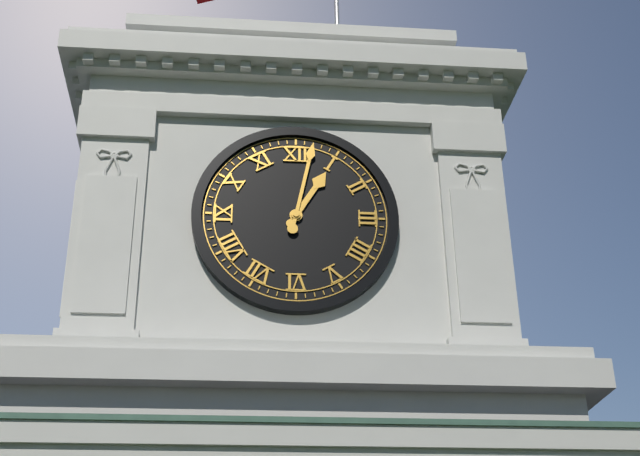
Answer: 1,02
